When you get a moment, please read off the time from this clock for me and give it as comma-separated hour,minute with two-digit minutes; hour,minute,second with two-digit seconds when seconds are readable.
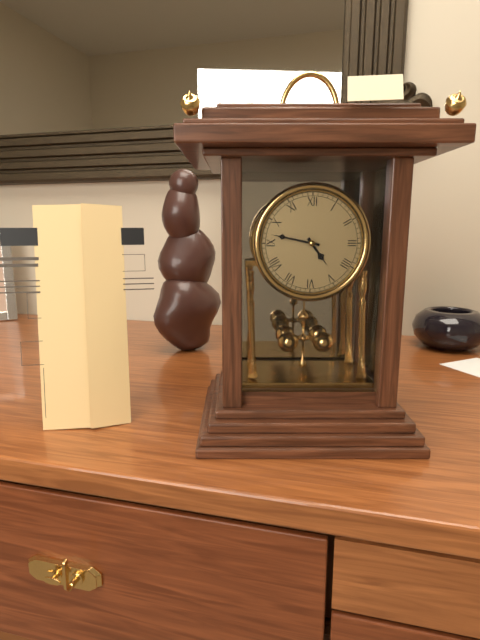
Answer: 4,47
